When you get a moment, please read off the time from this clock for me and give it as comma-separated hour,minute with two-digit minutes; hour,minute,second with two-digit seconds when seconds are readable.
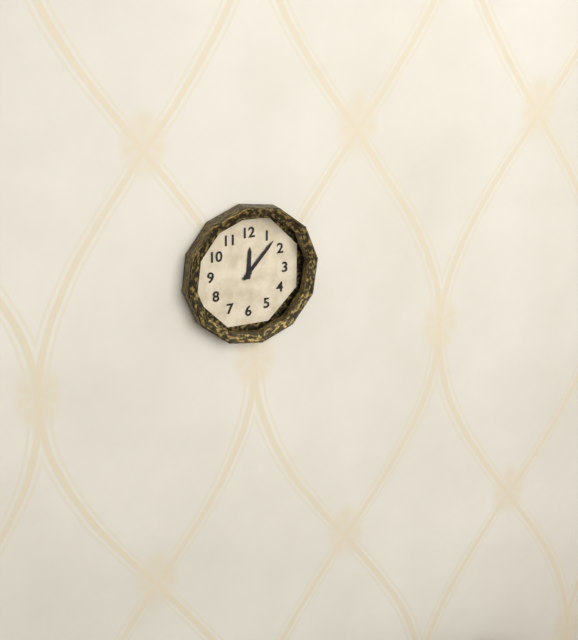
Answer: 12,07
